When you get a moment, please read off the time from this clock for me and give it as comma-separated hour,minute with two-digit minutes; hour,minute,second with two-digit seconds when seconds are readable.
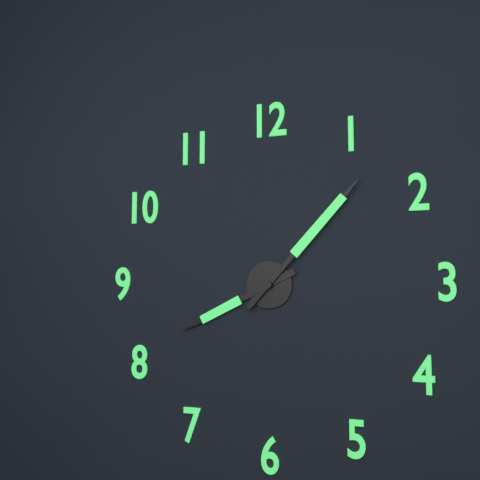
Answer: 8,07
